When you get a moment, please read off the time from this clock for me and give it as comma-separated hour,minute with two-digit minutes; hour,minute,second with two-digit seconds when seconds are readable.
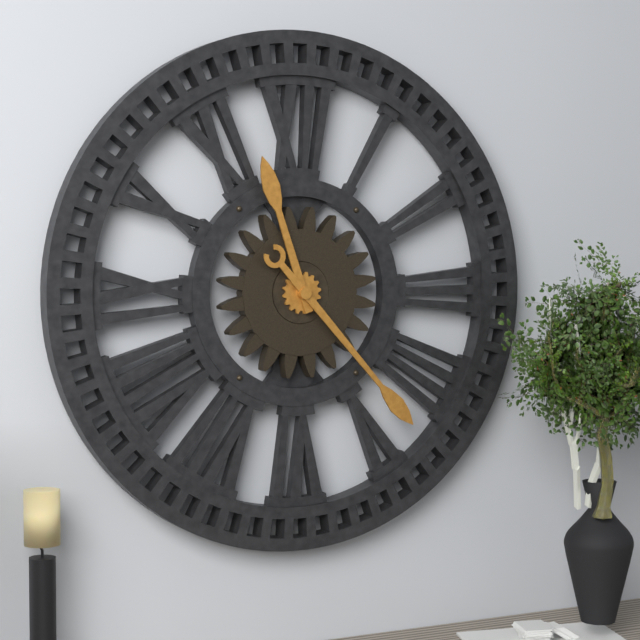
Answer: 11,23
